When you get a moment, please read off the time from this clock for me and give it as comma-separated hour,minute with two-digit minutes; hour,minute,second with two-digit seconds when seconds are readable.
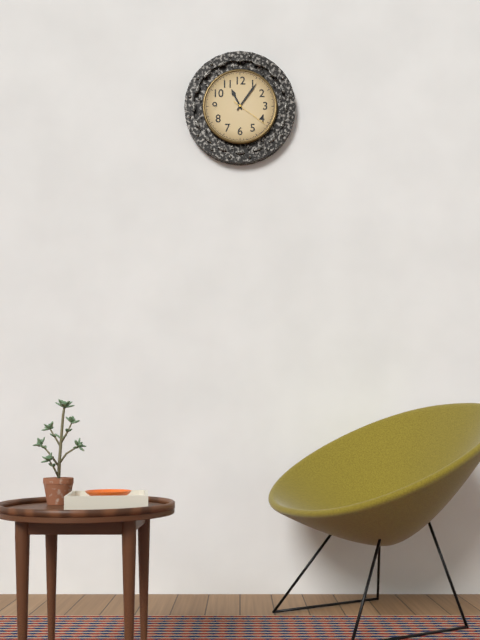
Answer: 11,06
